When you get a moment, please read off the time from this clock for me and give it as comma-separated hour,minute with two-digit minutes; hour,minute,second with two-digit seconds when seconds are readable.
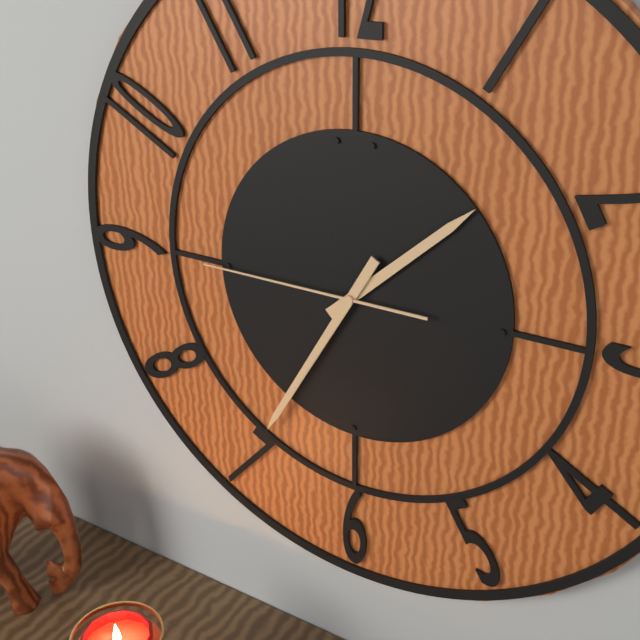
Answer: 1,35,45
